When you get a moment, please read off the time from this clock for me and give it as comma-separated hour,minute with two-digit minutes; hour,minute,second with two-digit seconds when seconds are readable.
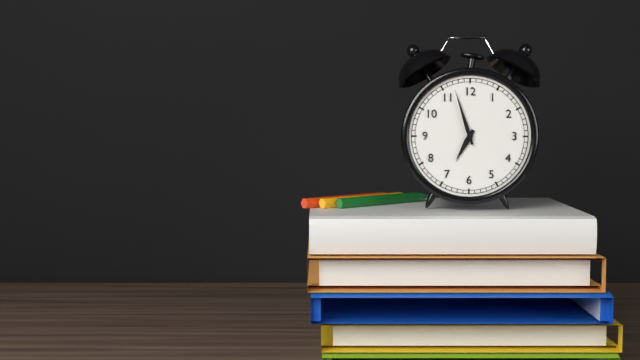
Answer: 6,57
